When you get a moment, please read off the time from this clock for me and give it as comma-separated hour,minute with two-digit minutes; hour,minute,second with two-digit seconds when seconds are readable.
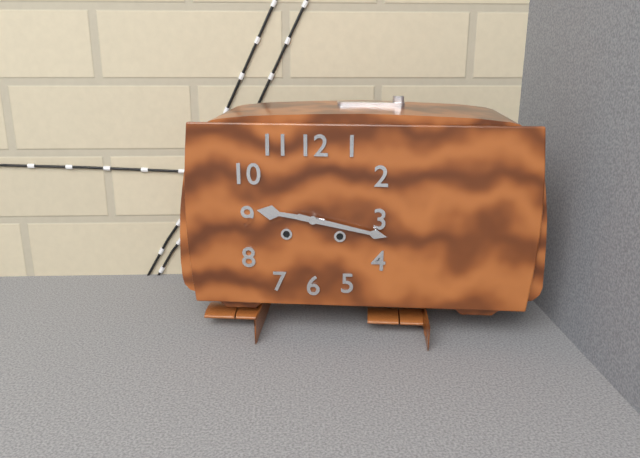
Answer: 9,17
